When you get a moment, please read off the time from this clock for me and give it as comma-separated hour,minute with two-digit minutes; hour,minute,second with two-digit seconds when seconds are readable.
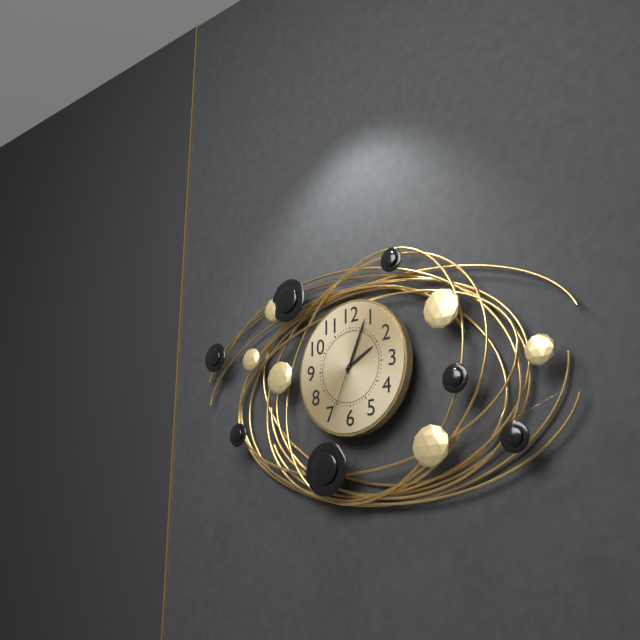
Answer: 2,04,34
